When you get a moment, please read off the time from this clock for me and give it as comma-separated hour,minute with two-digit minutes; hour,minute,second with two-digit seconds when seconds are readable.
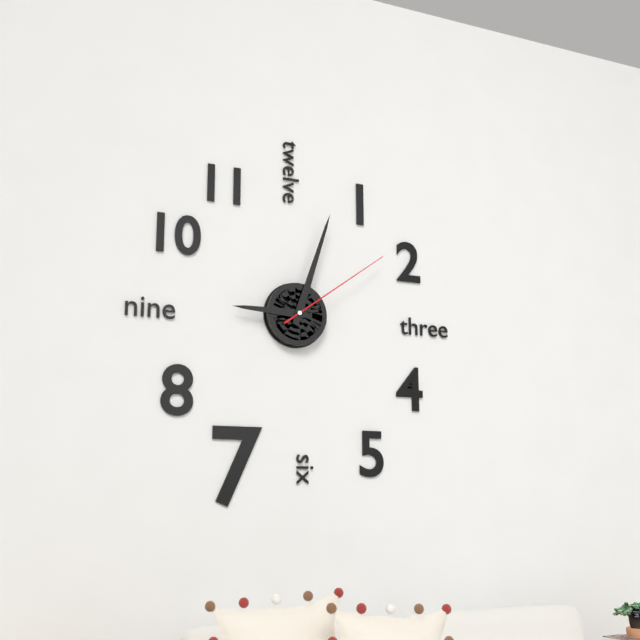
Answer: 9,03,09
